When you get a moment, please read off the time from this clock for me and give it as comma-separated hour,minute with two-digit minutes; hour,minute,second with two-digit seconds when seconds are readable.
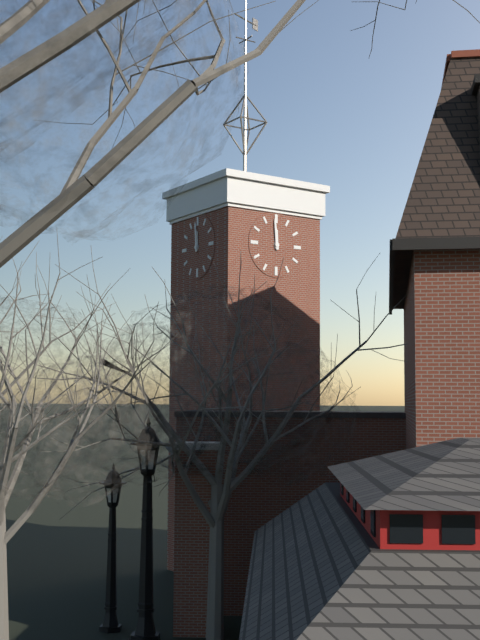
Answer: 11,59
